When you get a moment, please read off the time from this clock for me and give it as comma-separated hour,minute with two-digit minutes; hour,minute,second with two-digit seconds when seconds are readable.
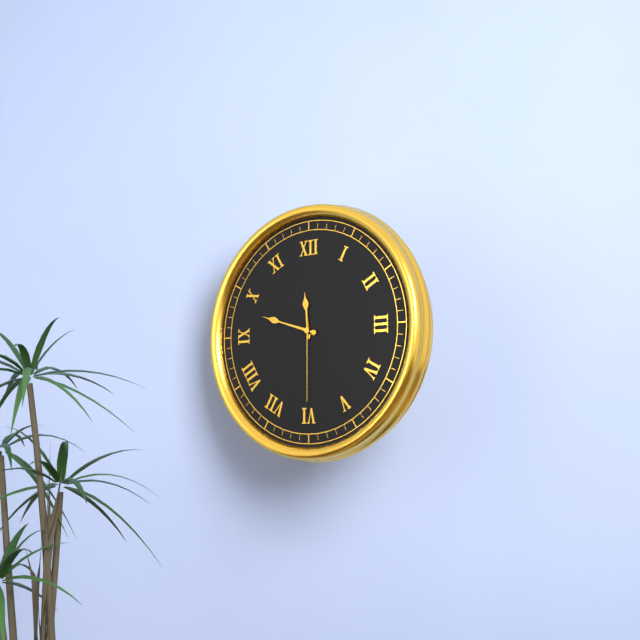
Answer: 11,48,30
